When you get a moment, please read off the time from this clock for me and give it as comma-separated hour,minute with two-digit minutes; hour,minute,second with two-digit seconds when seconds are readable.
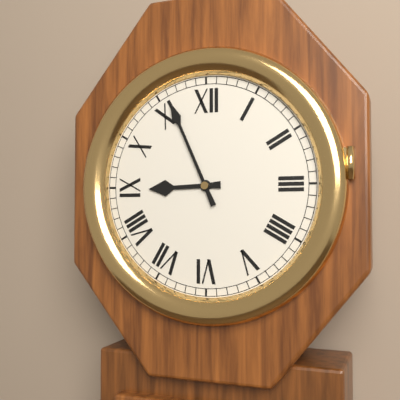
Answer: 8,56
